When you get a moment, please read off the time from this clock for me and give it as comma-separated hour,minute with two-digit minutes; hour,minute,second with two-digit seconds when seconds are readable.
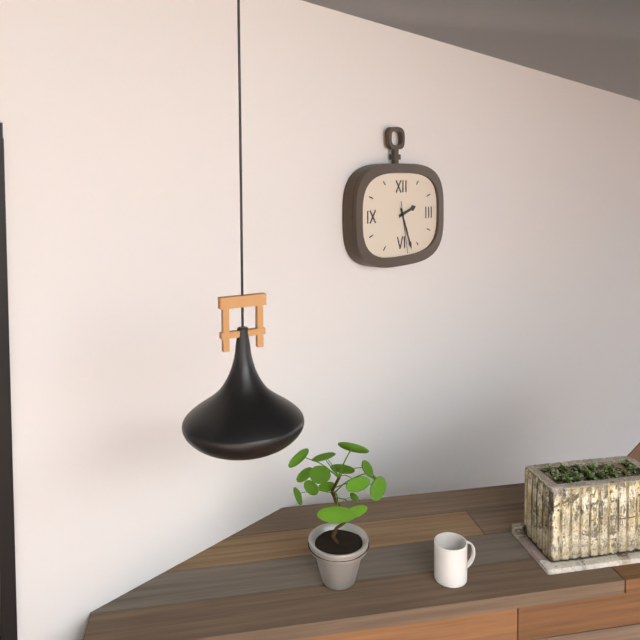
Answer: 2,26,28
